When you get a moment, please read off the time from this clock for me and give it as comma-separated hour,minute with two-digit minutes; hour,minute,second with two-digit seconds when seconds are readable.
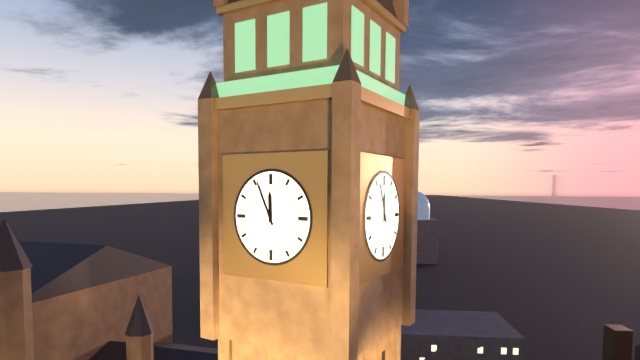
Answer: 11,56
